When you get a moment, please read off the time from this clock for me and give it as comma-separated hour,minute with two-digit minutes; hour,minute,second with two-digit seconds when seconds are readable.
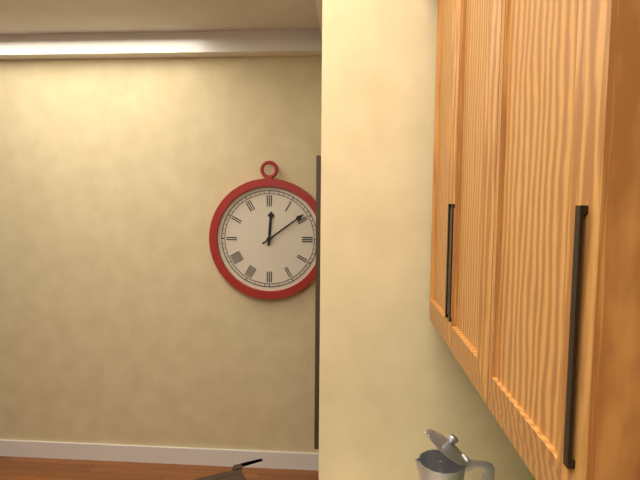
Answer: 12,09
